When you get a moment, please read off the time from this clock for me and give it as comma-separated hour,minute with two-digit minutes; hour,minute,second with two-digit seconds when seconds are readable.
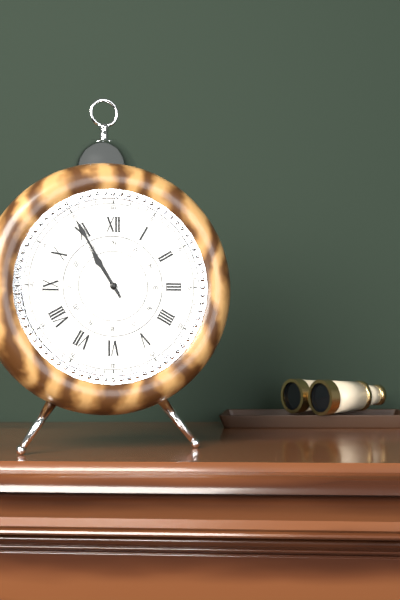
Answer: 10,55
